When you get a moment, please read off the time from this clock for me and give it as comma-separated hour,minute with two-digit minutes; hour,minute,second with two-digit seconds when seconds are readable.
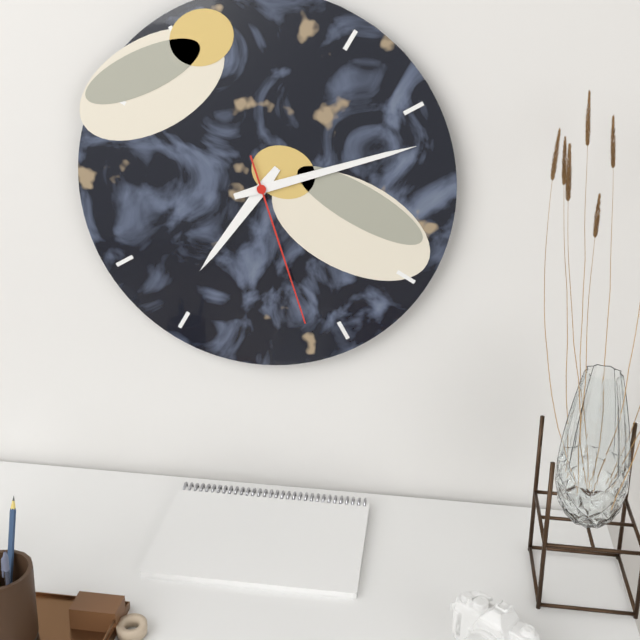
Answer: 7,12,27
